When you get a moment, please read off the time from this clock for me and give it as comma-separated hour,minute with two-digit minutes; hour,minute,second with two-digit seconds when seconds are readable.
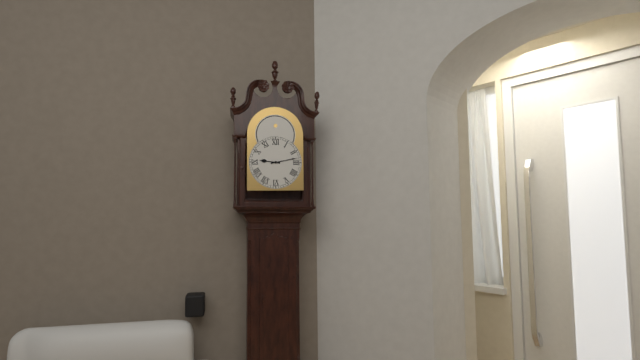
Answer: 9,13
